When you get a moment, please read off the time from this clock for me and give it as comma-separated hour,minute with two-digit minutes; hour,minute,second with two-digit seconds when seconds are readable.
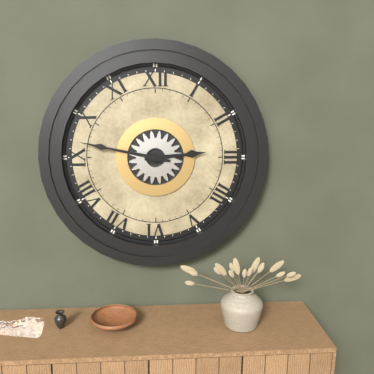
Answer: 2,47
